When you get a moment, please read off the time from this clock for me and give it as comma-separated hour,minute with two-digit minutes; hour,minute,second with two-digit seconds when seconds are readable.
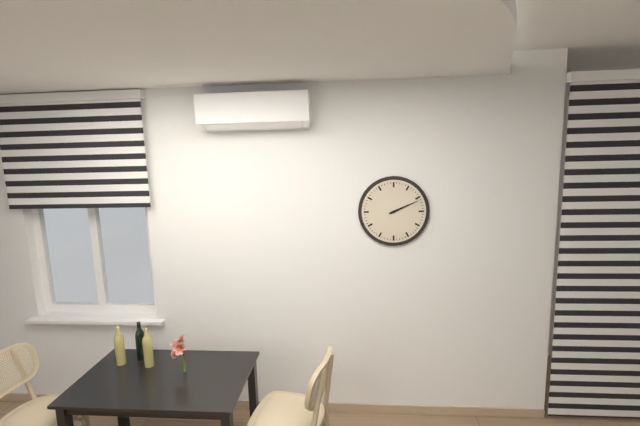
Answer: 2,11
